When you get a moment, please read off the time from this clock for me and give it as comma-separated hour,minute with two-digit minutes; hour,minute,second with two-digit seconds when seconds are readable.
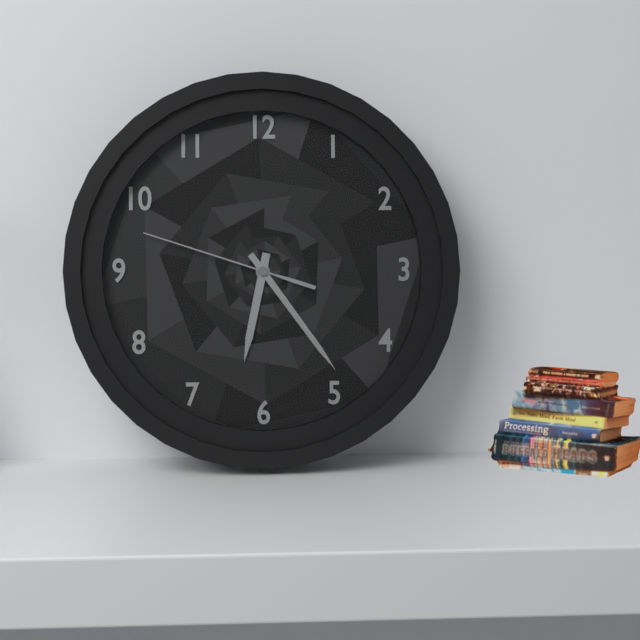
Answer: 6,24,48
